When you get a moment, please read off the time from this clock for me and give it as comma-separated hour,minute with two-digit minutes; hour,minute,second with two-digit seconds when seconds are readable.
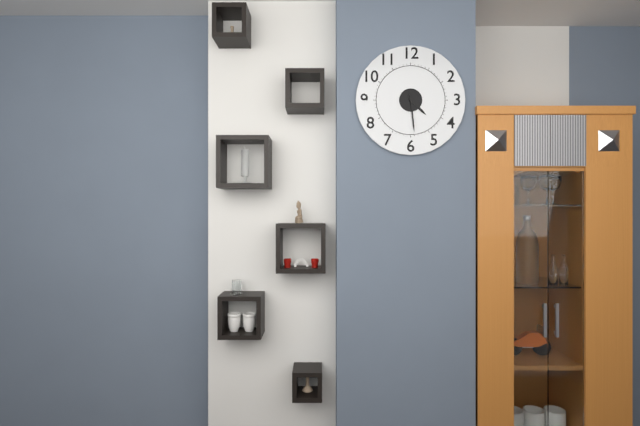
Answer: 4,29
